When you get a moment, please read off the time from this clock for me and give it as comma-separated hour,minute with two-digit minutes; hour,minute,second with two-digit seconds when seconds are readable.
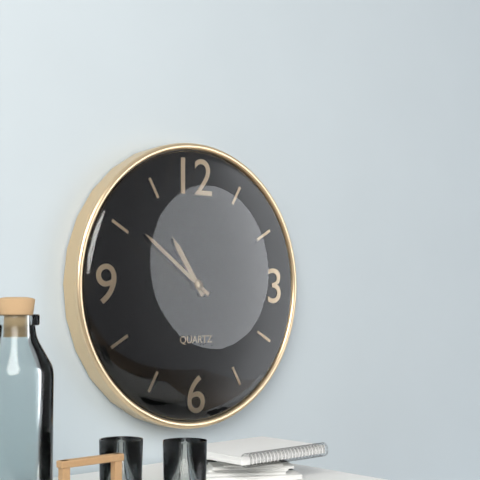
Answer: 10,51
